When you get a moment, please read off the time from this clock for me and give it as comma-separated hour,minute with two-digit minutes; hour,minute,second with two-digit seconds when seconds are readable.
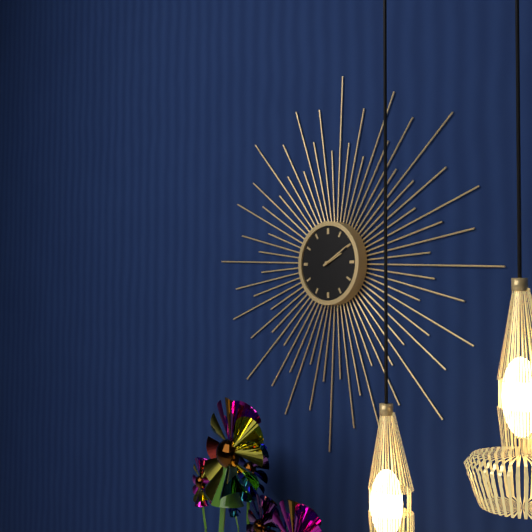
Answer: 2,10
